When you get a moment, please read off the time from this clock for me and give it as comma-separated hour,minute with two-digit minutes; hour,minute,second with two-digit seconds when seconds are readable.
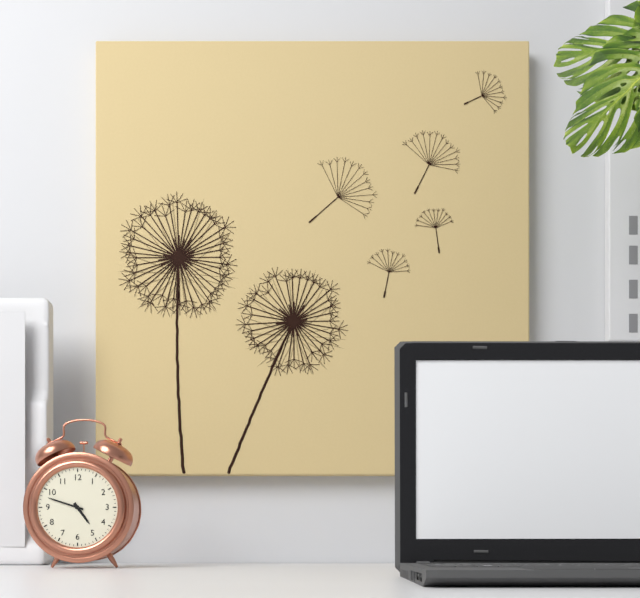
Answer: 4,48
